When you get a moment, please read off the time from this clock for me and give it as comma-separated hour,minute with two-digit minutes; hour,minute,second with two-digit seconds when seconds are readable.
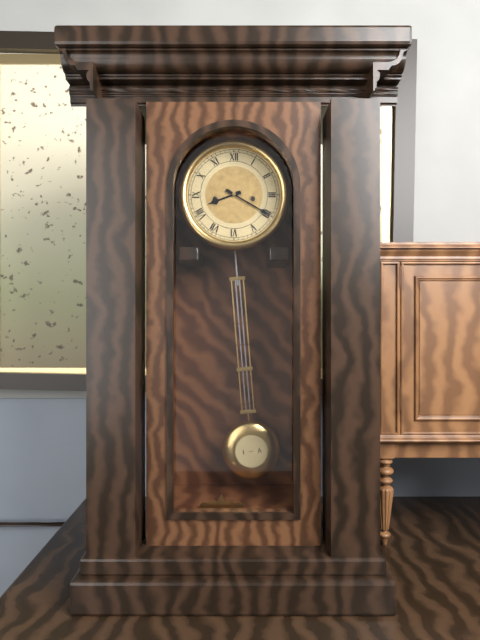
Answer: 8,20
